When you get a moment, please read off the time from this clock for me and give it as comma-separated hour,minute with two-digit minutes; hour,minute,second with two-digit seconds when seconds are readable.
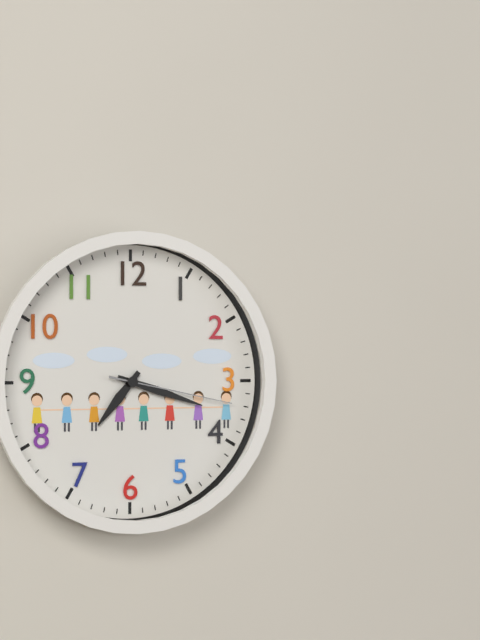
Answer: 7,18,17
